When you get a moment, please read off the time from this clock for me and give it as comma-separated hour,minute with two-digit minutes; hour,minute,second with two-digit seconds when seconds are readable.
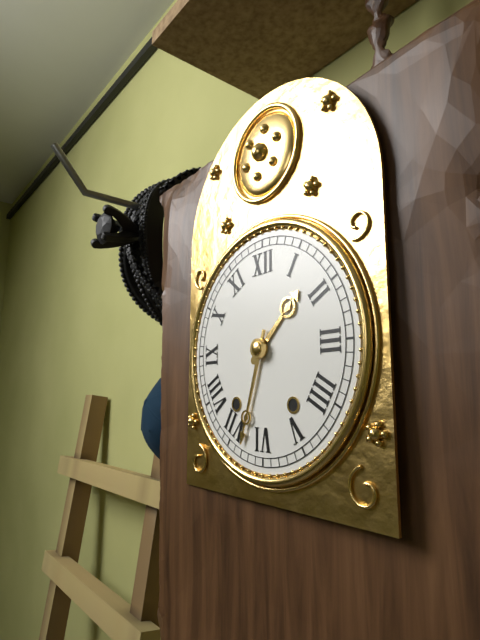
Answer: 1,33
